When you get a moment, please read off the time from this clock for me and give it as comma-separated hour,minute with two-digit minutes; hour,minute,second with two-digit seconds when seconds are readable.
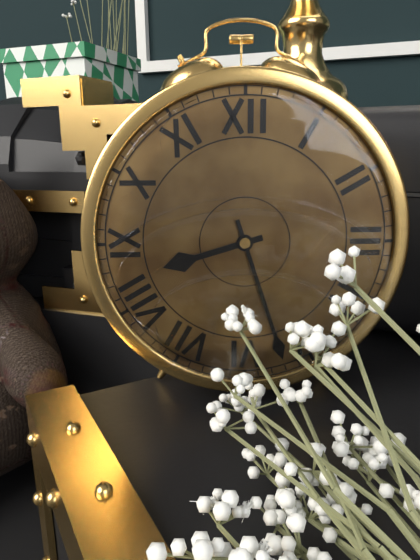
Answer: 8,27
